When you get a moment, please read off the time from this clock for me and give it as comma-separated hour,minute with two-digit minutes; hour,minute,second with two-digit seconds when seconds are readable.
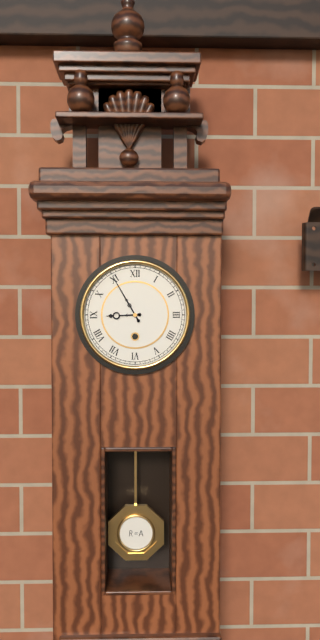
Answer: 8,55
